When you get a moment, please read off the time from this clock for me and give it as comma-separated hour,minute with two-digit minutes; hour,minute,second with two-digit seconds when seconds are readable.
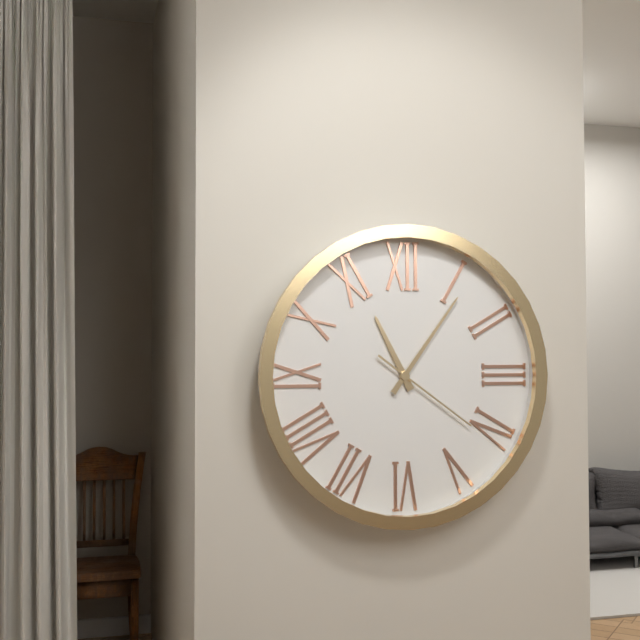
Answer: 11,06,21
